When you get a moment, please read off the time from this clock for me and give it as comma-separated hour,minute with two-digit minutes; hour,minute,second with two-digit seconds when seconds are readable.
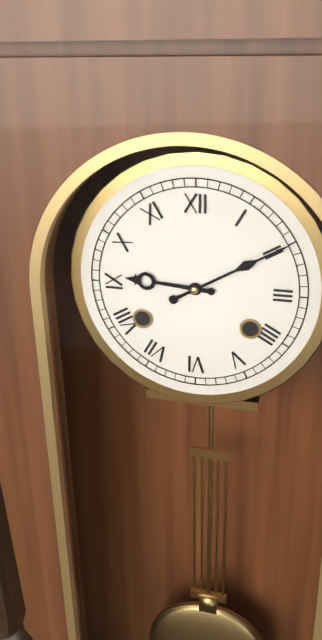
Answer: 9,10
